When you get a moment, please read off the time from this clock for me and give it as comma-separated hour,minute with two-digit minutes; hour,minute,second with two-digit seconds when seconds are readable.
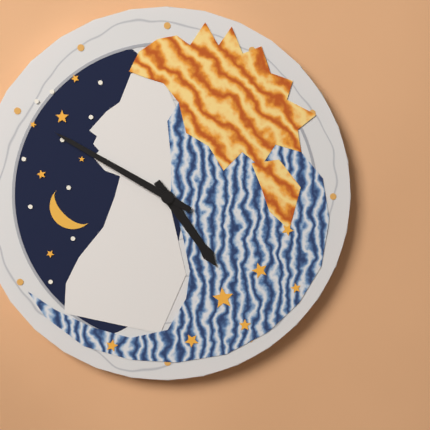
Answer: 4,50
